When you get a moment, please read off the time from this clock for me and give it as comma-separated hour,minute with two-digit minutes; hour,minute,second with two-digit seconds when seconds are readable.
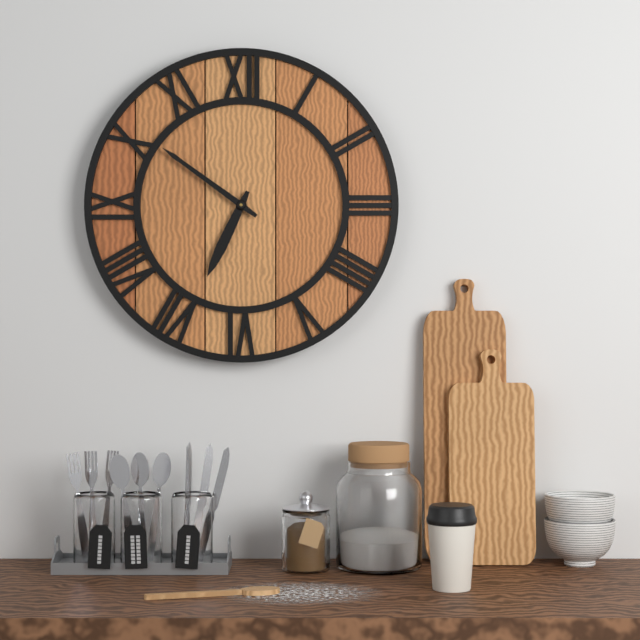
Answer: 6,51
